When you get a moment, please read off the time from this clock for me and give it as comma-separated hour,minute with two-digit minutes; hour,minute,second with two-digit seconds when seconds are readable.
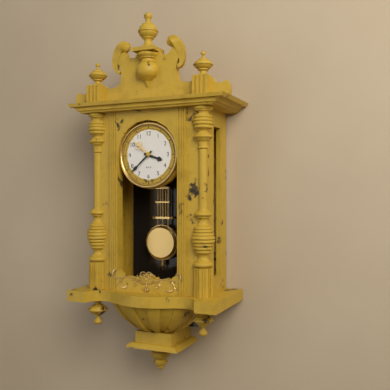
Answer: 3,38
